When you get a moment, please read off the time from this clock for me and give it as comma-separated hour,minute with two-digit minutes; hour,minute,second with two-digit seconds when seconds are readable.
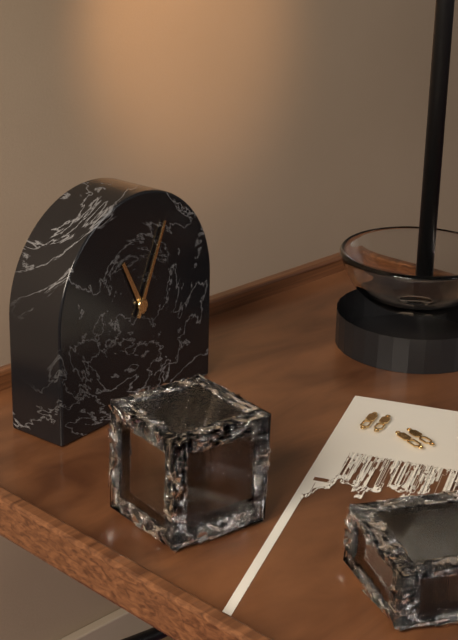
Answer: 11,04
